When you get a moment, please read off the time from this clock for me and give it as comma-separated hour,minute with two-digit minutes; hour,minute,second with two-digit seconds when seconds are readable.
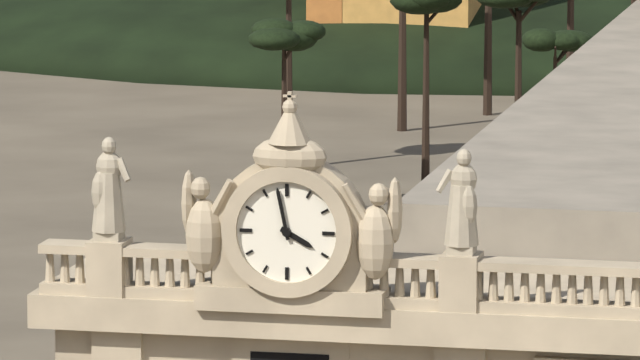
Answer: 3,58
